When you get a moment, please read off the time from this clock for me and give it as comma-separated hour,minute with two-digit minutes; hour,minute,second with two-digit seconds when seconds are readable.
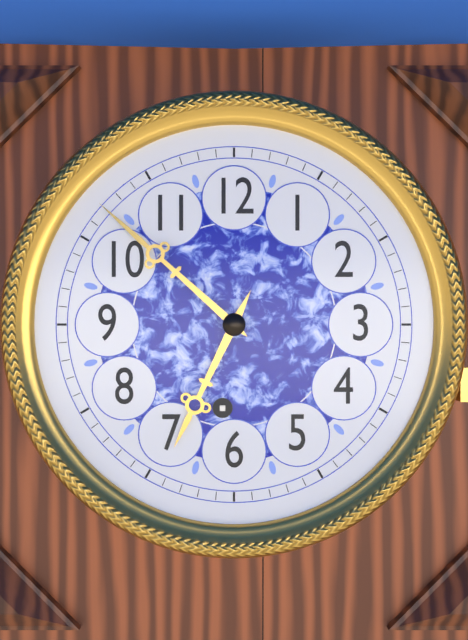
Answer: 6,52
